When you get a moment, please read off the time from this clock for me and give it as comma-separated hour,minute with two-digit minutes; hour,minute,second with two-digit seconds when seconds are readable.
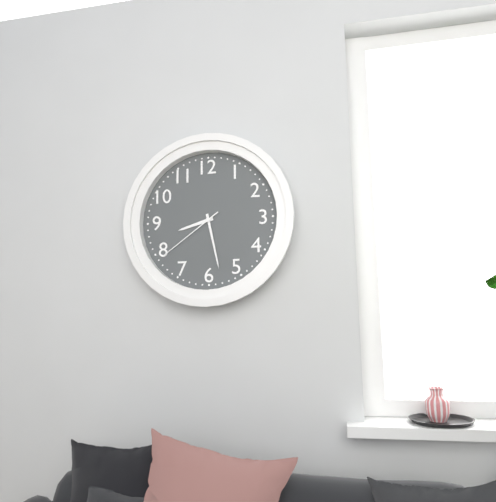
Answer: 8,28,39
